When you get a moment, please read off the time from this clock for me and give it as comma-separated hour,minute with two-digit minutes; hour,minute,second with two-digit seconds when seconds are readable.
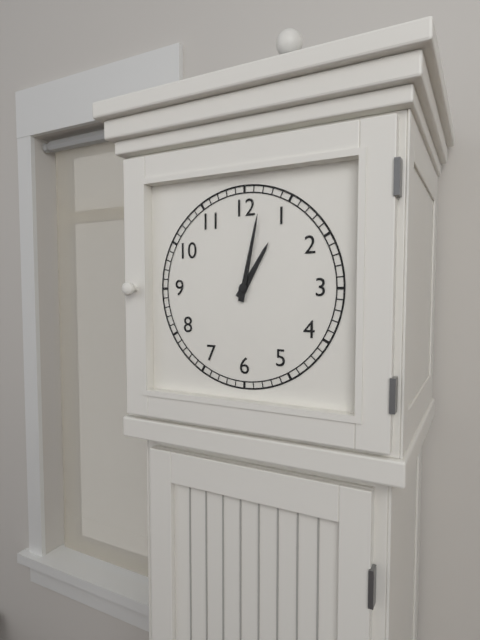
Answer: 1,02
